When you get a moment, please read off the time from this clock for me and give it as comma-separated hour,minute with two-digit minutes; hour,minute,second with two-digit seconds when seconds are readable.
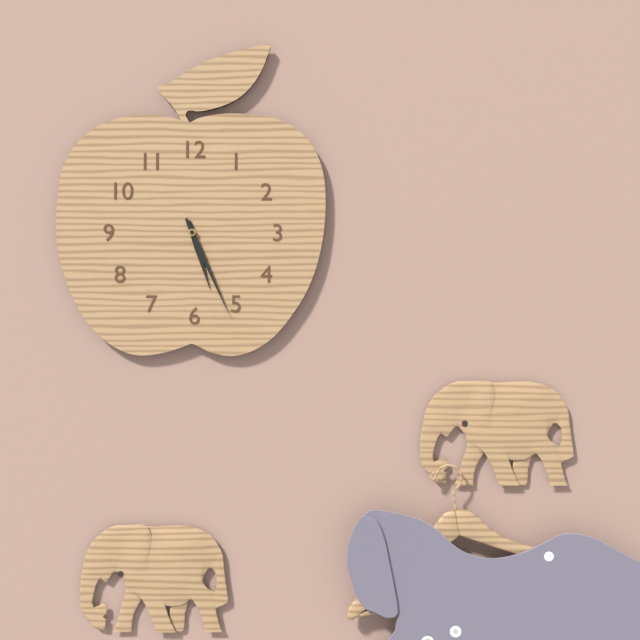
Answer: 5,26
